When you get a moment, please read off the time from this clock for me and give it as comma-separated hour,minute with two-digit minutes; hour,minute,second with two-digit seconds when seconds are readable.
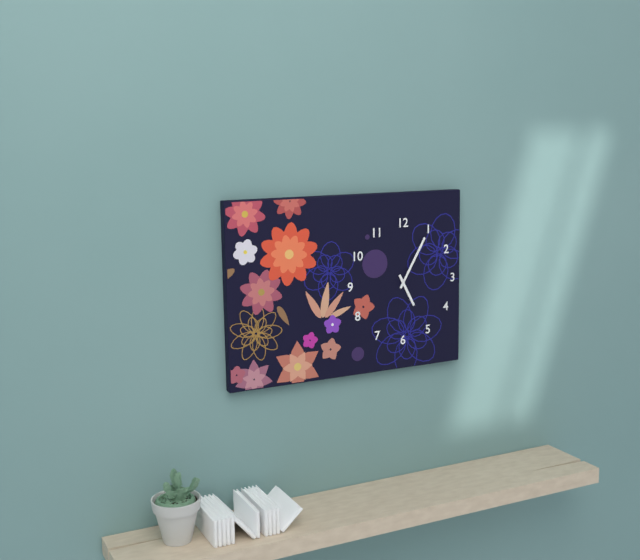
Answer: 5,05
